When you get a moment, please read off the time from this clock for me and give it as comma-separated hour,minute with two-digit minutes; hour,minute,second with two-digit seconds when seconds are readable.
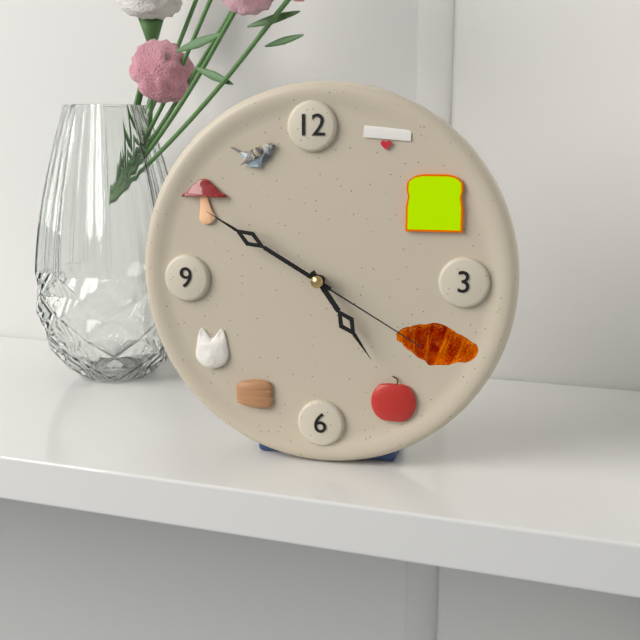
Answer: 4,50,20
